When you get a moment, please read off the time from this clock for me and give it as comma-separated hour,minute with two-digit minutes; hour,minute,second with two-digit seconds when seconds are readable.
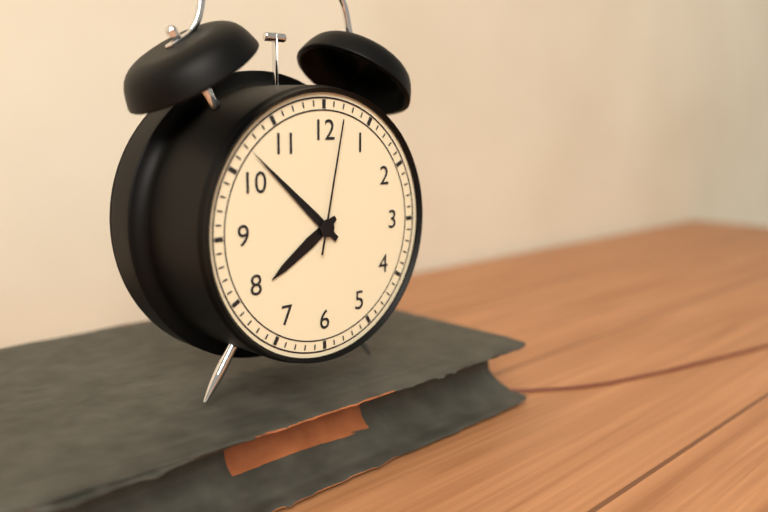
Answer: 7,52,02
